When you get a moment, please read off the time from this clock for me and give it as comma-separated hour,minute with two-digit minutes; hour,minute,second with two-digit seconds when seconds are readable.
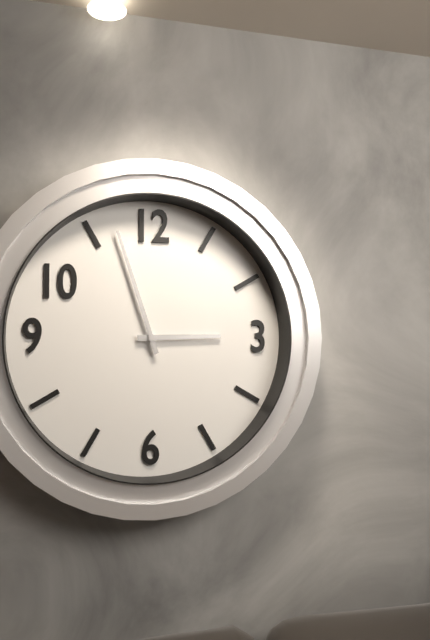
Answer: 2,57
